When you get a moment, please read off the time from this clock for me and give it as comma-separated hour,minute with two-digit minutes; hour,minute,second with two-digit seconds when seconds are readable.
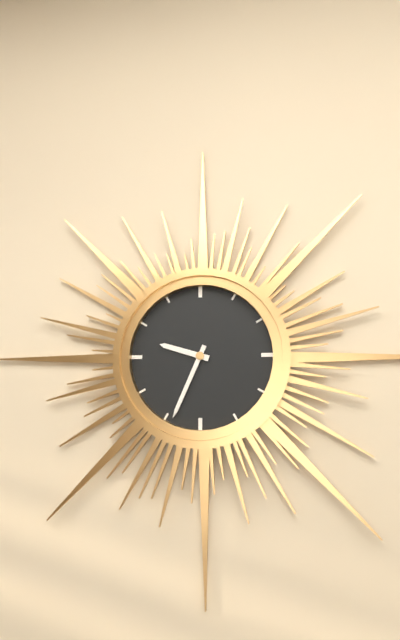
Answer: 9,34
